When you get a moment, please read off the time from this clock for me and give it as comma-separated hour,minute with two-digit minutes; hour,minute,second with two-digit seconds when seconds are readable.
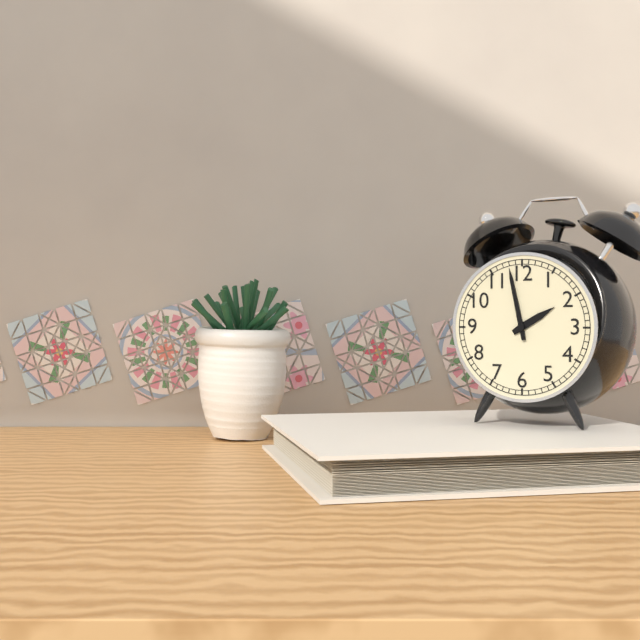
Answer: 1,58
